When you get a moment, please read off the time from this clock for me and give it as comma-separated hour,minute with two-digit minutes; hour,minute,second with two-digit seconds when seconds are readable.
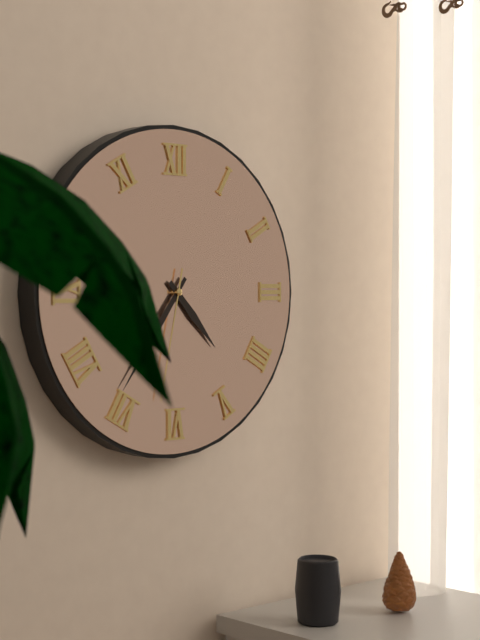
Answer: 4,36,32
